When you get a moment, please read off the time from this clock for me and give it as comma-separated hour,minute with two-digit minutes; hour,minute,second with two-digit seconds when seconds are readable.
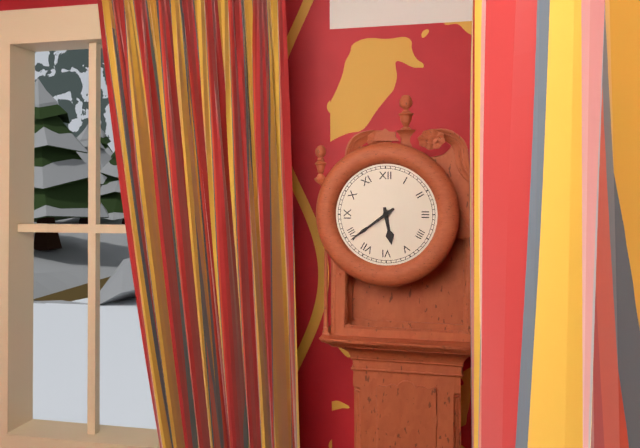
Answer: 5,39
